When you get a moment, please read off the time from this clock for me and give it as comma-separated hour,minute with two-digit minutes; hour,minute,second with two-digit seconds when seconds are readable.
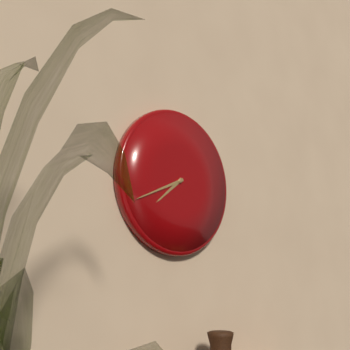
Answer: 7,41
